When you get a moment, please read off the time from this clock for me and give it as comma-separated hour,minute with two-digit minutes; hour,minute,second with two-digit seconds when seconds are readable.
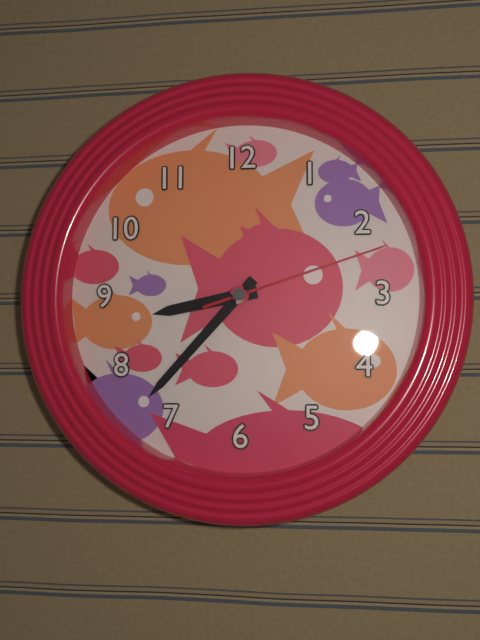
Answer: 8,37,12
